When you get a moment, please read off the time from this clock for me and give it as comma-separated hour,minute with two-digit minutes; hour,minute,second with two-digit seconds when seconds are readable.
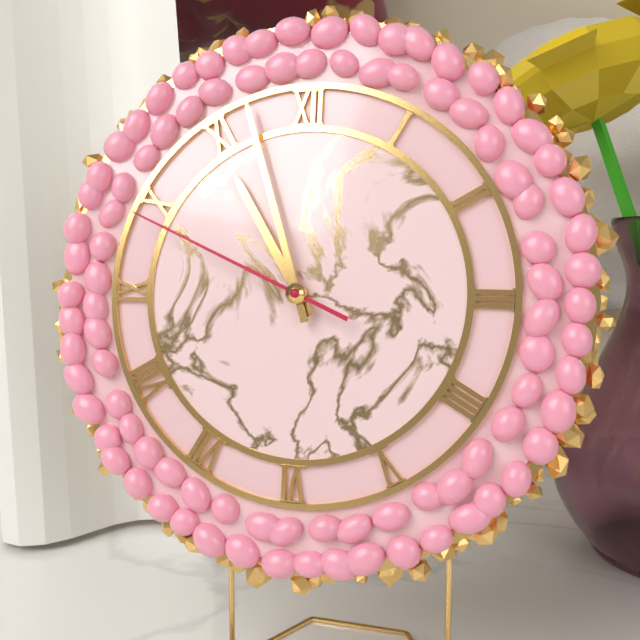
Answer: 10,57,49
